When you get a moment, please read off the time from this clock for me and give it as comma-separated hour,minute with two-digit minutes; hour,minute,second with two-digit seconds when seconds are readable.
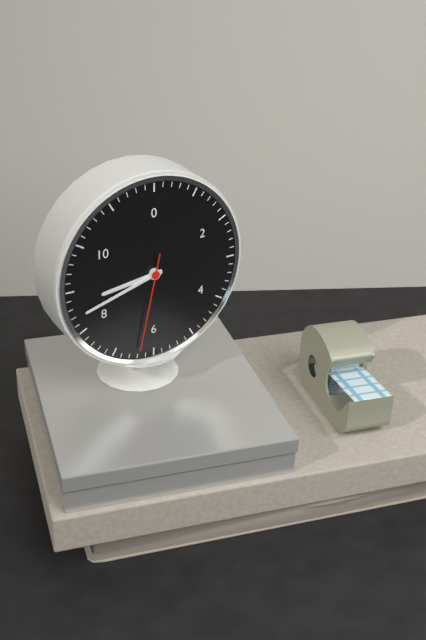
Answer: 8,42,32
